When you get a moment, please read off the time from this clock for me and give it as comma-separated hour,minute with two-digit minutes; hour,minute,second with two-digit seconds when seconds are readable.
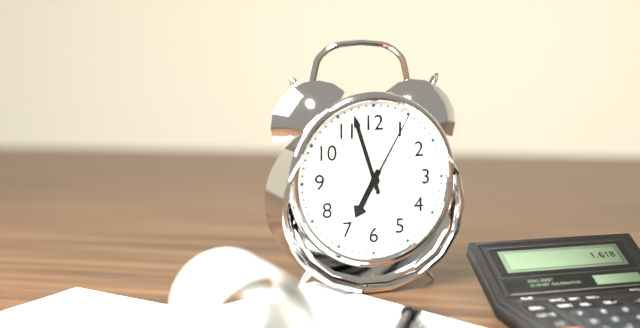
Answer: 6,57,05
